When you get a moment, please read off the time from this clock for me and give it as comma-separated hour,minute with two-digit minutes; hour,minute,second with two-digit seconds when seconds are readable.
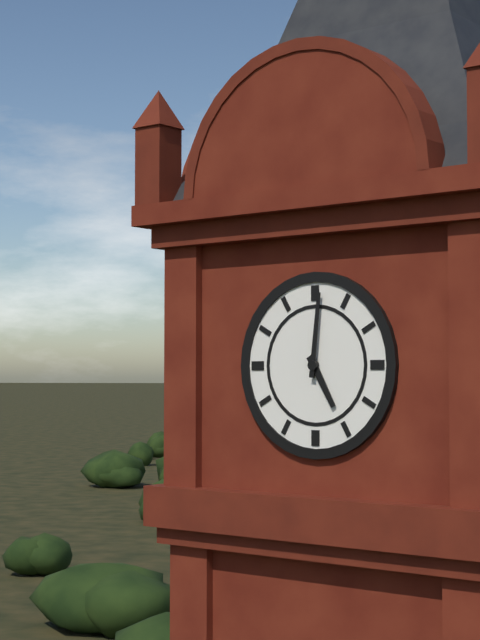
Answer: 5,01
